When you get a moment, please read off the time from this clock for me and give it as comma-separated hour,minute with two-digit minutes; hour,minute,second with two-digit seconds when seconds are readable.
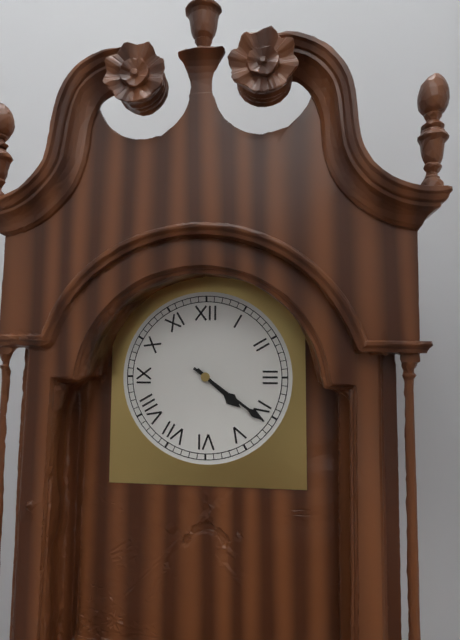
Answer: 4,21
